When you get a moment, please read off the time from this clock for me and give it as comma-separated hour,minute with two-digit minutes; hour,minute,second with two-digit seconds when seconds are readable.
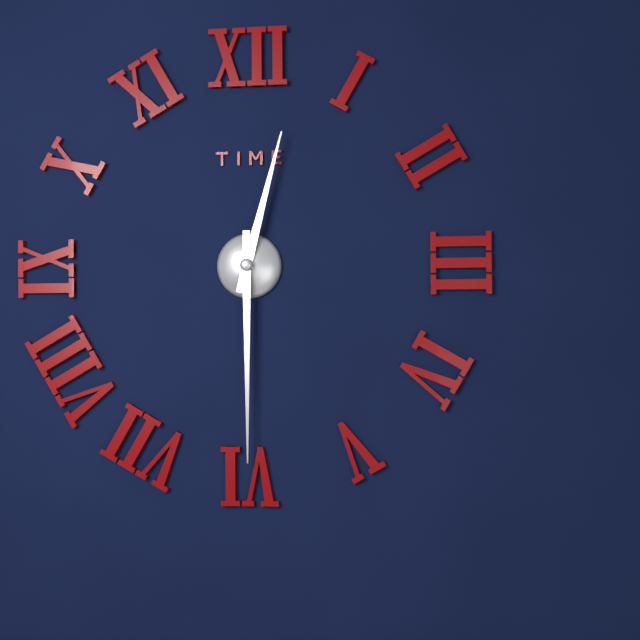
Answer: 12,30
